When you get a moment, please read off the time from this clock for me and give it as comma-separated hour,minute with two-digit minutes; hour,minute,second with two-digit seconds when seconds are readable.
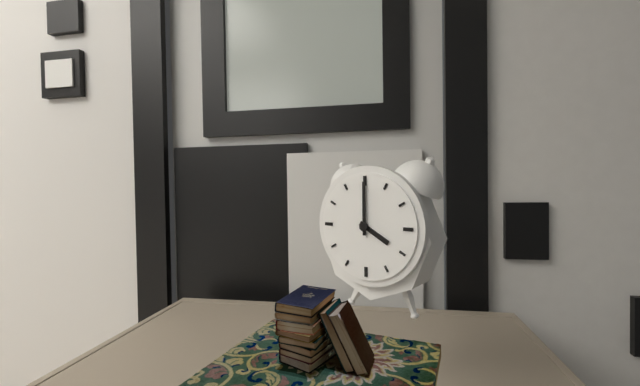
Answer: 4,00
